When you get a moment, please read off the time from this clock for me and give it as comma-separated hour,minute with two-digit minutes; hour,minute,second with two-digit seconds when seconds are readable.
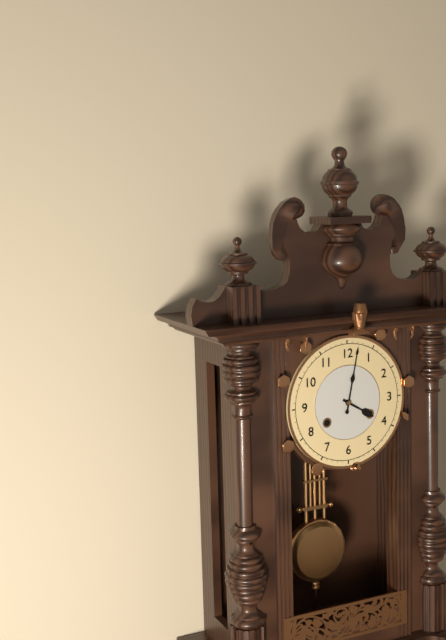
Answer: 4,02
